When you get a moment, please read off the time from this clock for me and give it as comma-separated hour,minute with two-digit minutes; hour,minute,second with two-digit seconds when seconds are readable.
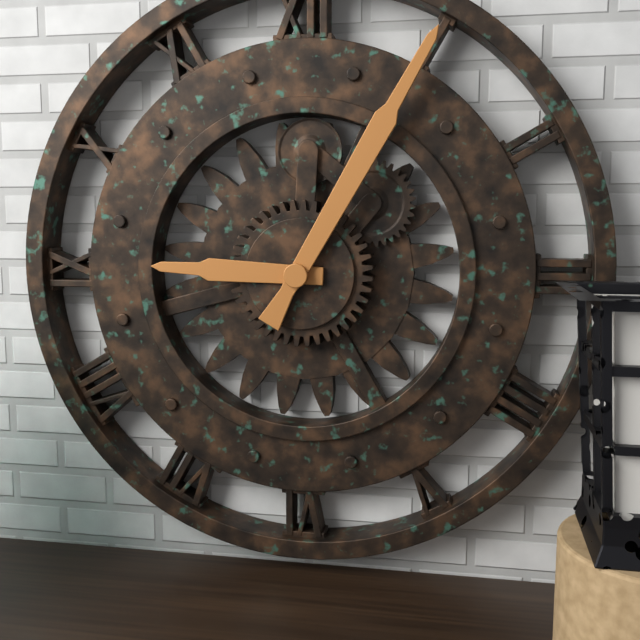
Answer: 9,05
